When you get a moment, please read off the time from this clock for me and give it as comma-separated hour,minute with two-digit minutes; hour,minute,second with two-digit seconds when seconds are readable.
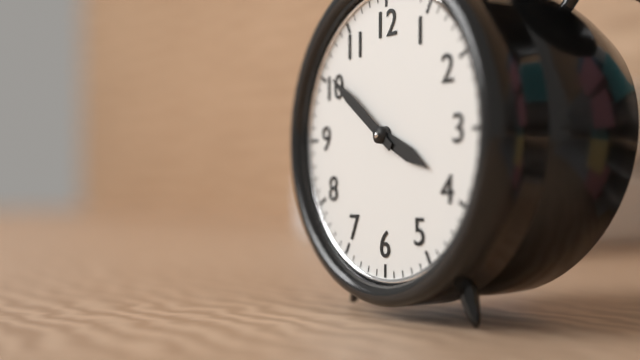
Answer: 3,51
